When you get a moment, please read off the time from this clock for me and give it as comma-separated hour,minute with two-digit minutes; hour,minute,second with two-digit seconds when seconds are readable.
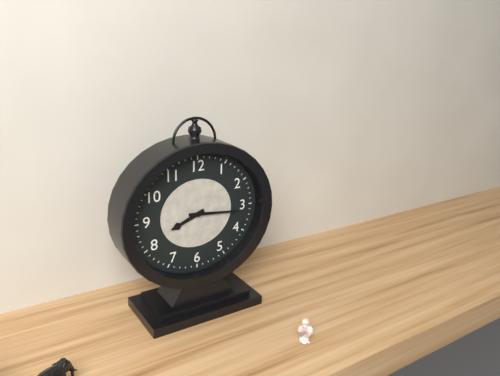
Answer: 8,16
